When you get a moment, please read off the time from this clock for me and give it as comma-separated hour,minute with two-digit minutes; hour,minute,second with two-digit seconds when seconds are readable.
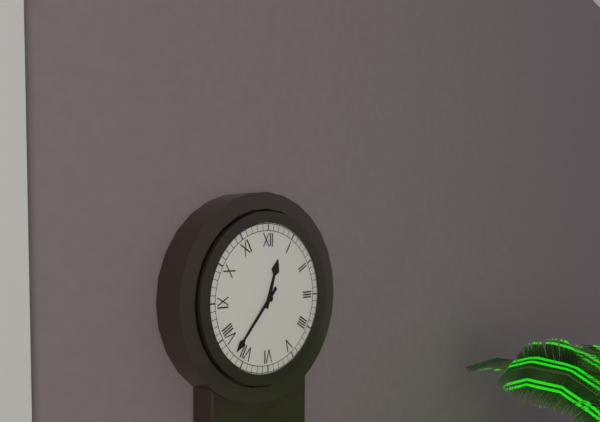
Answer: 12,37
